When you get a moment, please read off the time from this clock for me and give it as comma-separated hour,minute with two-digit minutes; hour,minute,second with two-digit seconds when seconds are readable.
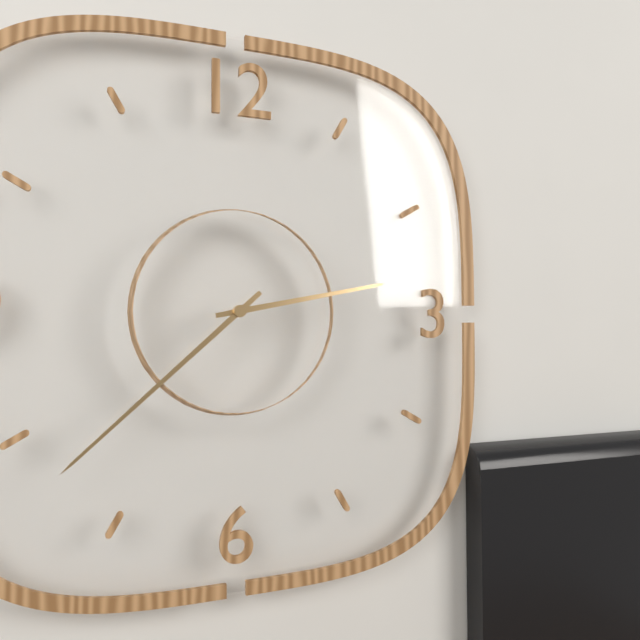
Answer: 2,38
